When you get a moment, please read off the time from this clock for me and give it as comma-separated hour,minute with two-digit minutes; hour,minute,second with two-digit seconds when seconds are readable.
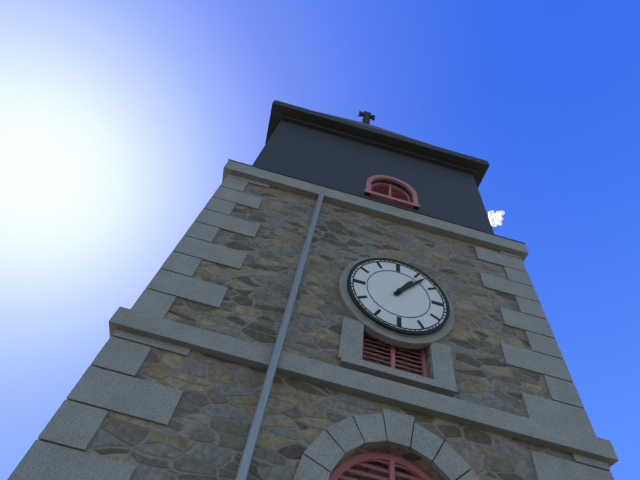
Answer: 1,07
